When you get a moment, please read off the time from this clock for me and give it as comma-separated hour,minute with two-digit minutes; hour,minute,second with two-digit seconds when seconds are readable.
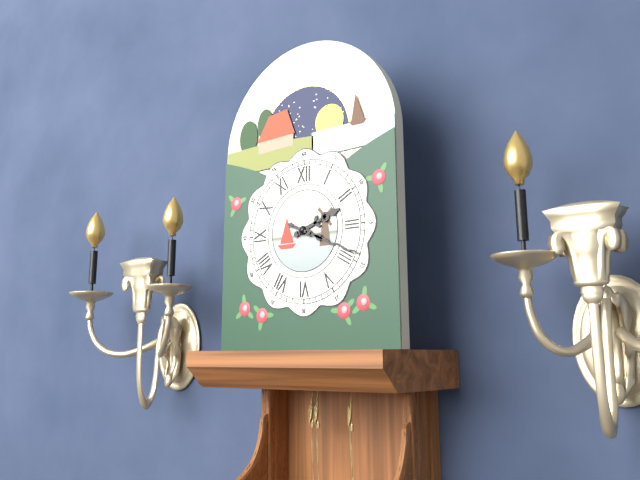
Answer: 2,19
